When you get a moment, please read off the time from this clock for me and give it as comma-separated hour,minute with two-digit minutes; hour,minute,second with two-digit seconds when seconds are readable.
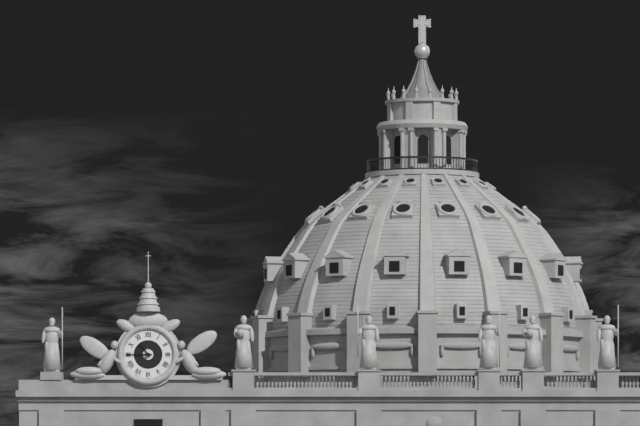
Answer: 10,45
